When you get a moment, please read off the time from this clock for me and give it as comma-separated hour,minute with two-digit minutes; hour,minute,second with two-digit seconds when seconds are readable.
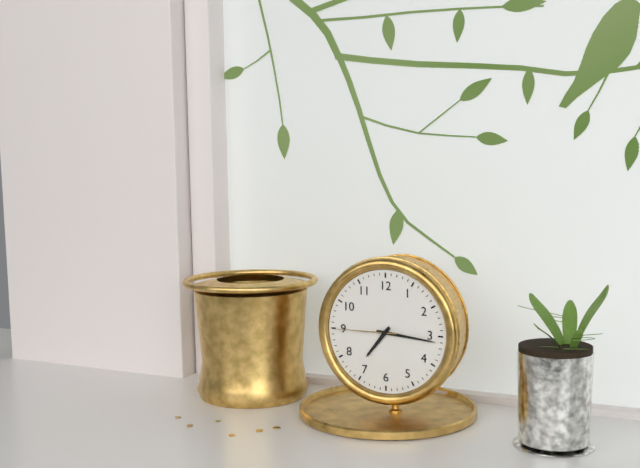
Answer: 7,16,45
